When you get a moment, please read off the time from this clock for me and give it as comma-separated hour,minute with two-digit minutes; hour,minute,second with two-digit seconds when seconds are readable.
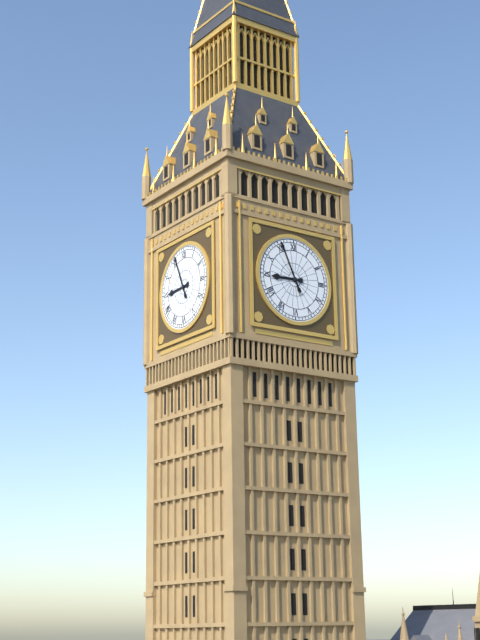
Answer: 8,56
